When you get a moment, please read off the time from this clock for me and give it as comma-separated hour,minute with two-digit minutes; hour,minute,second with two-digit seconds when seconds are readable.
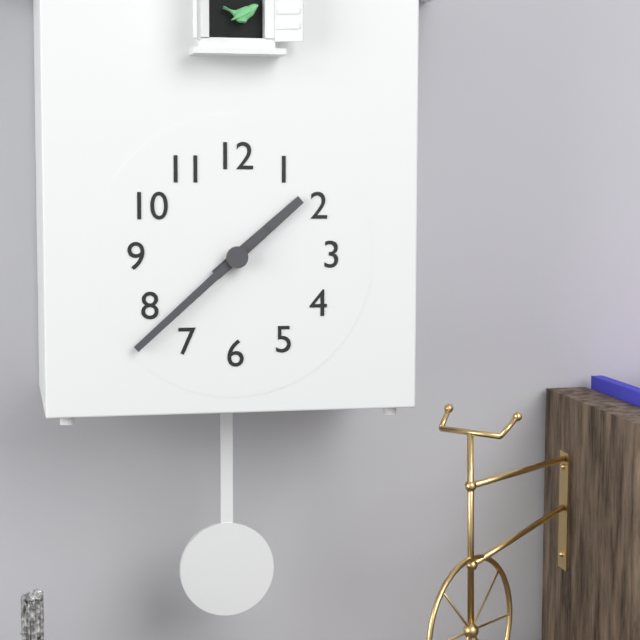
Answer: 1,38
